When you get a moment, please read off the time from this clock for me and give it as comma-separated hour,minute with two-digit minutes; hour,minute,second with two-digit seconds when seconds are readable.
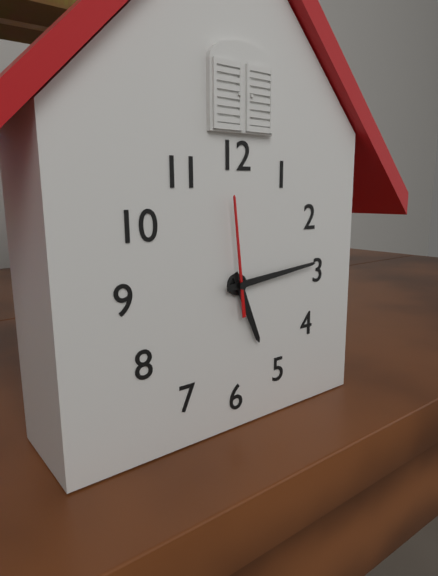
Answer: 5,14,59
